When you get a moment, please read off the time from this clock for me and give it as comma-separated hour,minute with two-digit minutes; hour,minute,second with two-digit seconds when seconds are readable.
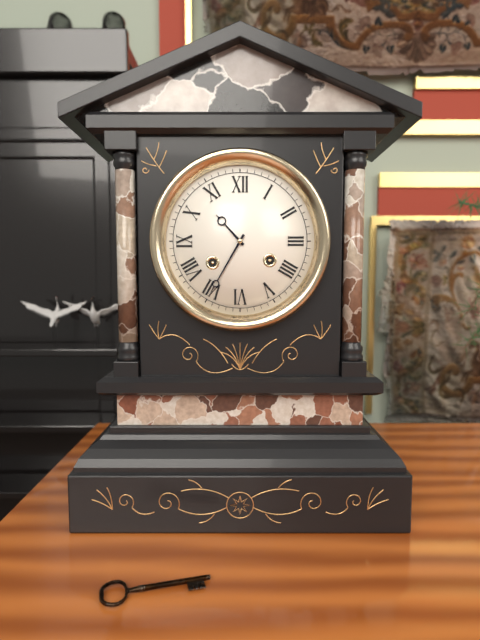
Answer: 10,35
